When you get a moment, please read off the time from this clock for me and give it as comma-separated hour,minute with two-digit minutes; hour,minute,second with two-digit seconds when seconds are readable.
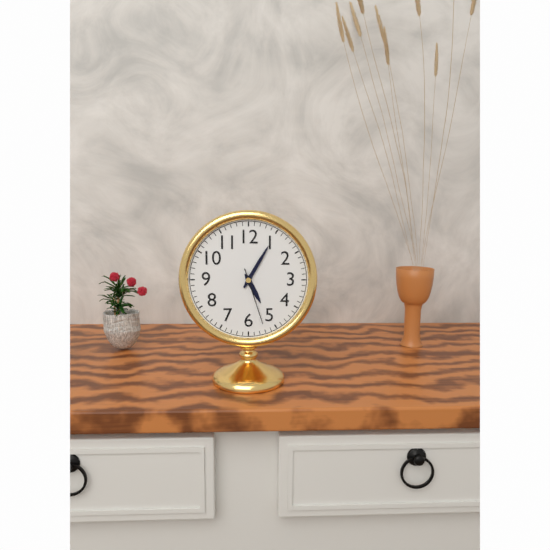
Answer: 5,05,27
